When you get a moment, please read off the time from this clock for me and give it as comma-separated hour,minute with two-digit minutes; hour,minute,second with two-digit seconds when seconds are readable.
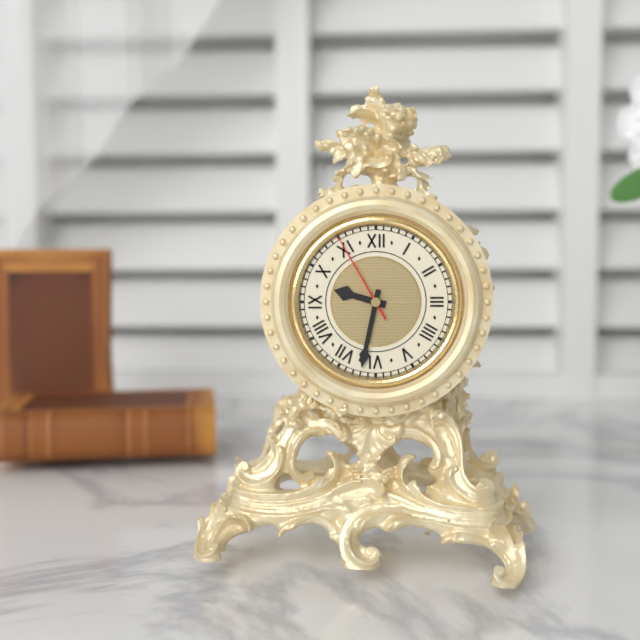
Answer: 9,32,55
